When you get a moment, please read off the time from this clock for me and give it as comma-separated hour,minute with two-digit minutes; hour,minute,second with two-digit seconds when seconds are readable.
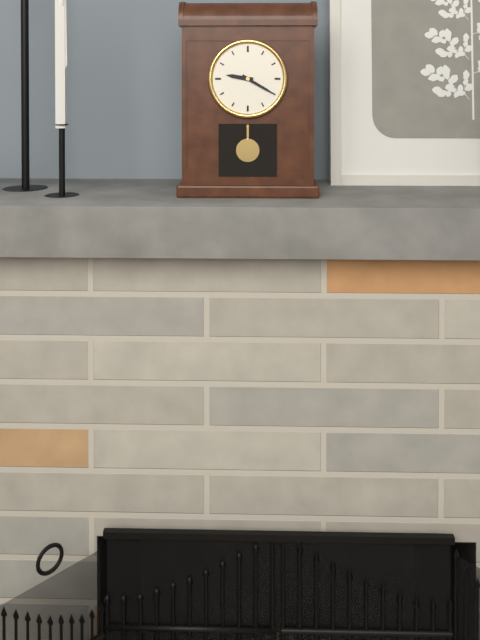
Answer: 9,20
